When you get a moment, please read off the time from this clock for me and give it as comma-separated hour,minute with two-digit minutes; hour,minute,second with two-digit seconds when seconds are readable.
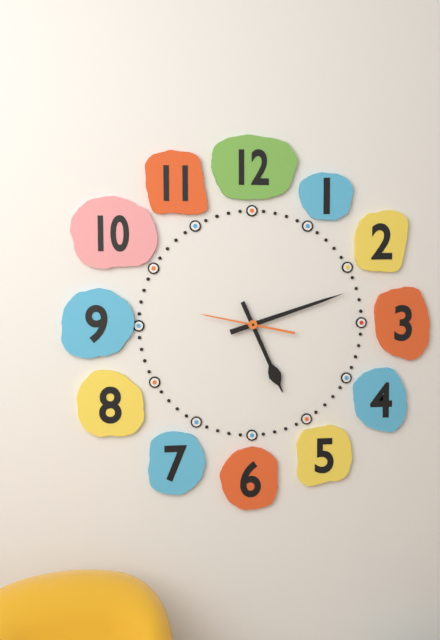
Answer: 5,12,47
